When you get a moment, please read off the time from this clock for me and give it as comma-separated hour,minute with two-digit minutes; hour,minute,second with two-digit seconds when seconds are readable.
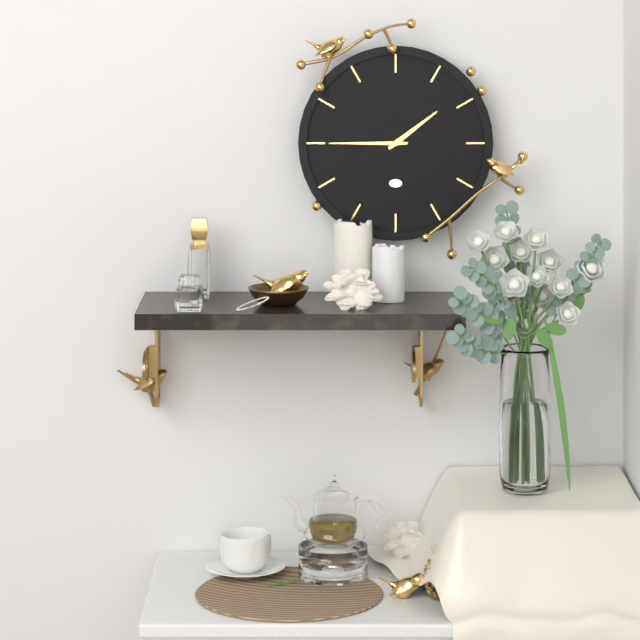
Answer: 1,45
